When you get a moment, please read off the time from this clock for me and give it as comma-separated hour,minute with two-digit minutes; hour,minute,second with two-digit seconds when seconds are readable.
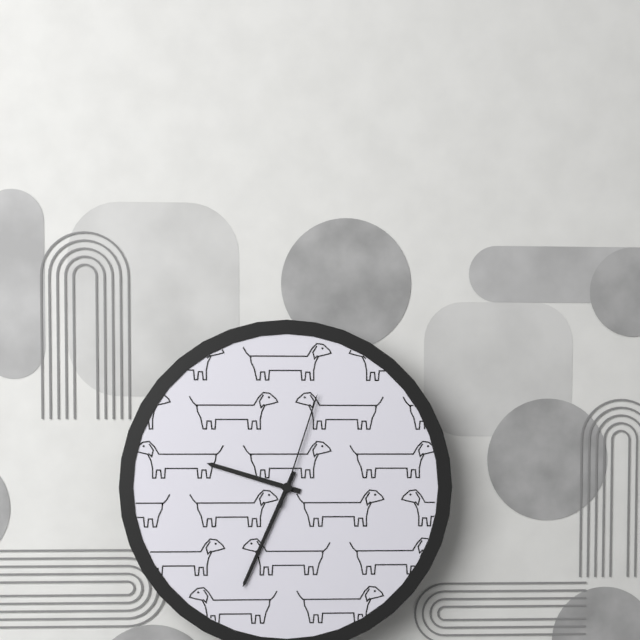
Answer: 9,34,03
